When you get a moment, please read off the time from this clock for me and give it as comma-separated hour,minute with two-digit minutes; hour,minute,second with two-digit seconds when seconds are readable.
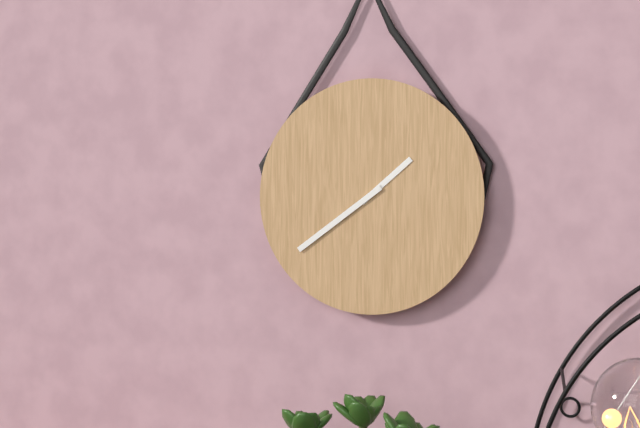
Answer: 1,39
